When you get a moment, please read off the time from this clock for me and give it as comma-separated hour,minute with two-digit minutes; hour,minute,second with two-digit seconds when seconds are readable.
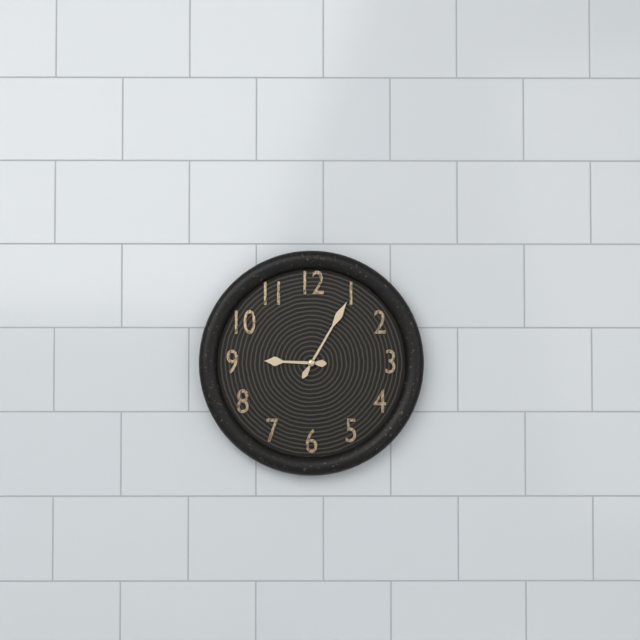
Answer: 9,05
